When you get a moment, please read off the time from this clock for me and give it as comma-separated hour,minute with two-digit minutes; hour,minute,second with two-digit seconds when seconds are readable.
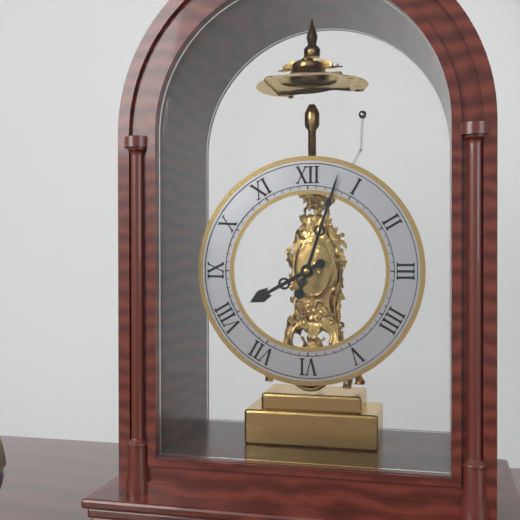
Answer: 8,03
